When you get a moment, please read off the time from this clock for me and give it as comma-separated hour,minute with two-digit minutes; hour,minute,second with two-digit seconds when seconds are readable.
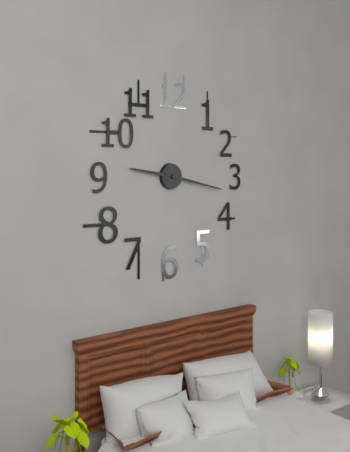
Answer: 9,17
